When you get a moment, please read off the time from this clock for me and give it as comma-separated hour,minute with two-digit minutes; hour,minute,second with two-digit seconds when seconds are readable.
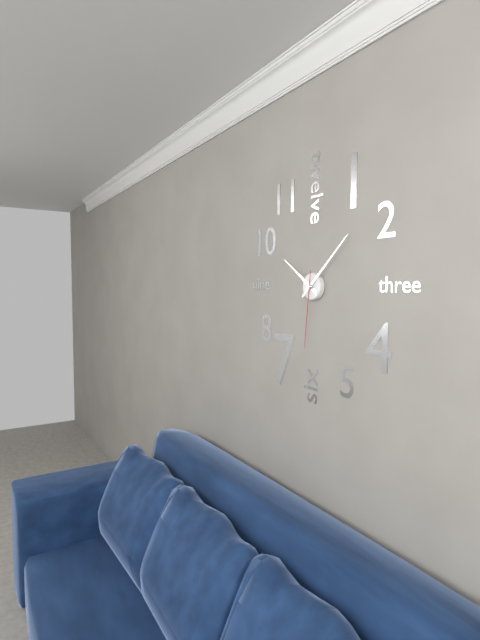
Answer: 10,08,31
